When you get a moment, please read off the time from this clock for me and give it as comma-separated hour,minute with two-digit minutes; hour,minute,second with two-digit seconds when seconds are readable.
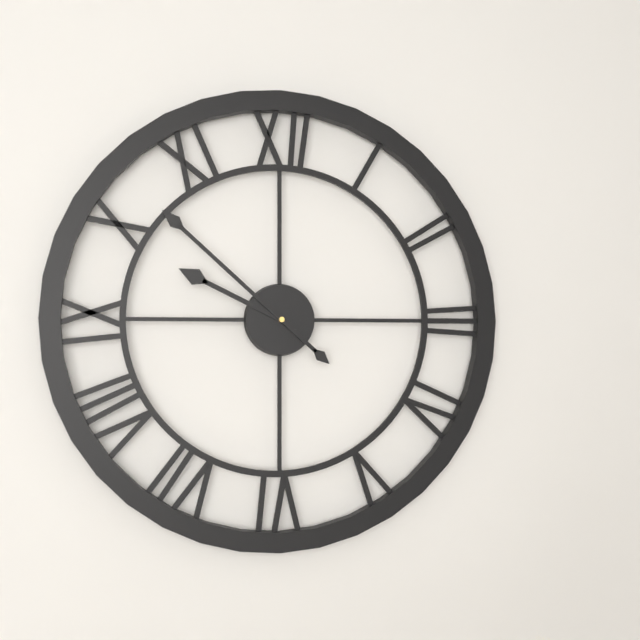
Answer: 9,52
